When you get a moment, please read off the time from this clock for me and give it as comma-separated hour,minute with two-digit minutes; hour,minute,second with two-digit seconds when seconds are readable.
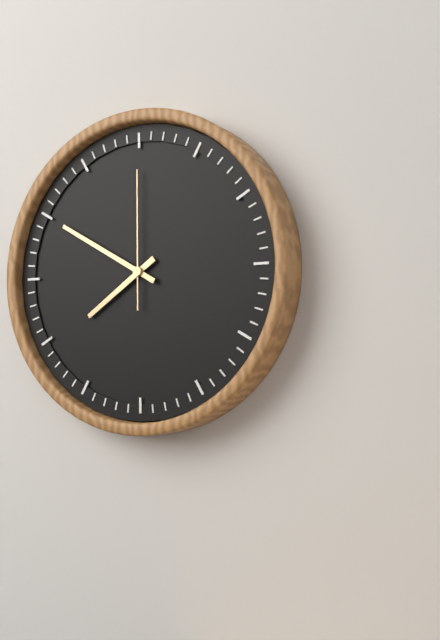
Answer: 7,50,00
